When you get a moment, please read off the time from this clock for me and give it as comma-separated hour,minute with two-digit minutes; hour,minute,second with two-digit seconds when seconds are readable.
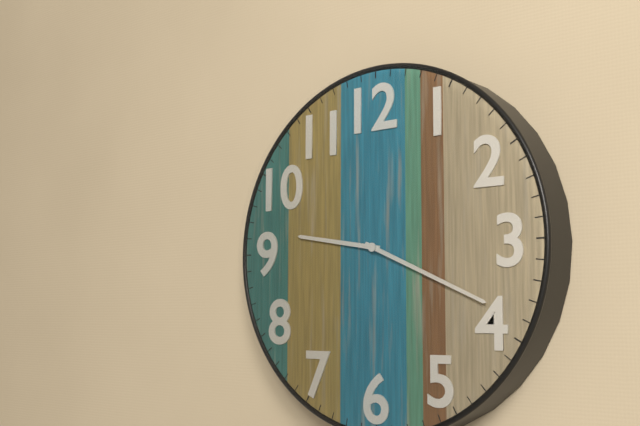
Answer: 9,19
